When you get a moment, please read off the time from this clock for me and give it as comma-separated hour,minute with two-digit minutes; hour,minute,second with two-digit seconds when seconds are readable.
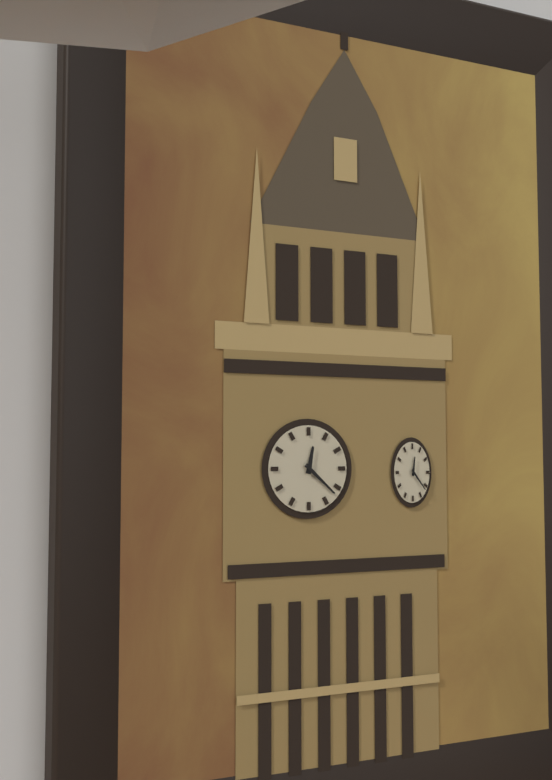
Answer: 12,22
